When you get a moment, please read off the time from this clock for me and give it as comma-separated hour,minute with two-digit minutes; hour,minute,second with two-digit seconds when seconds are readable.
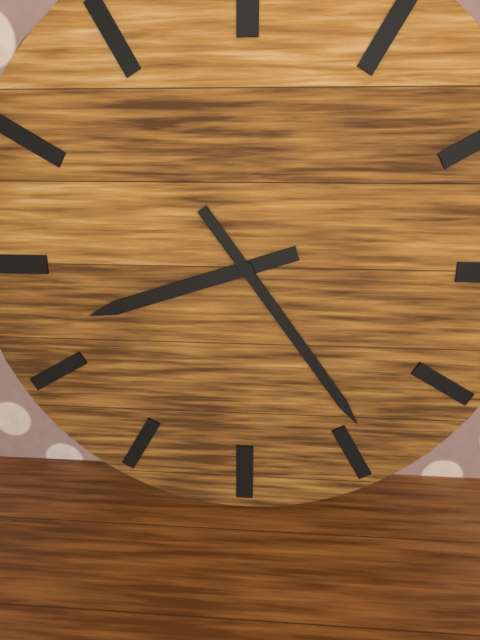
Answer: 8,24
